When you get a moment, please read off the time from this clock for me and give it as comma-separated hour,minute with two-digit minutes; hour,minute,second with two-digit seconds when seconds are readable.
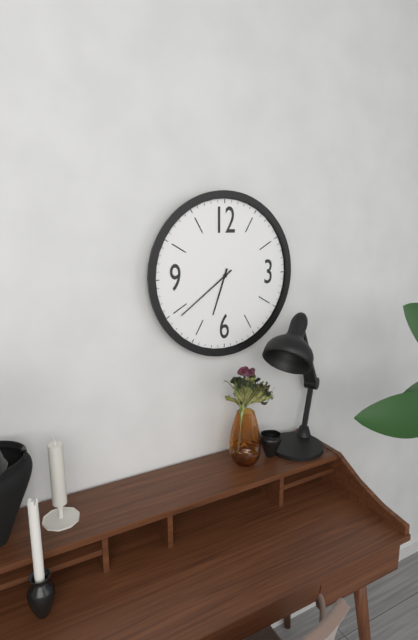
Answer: 6,39
